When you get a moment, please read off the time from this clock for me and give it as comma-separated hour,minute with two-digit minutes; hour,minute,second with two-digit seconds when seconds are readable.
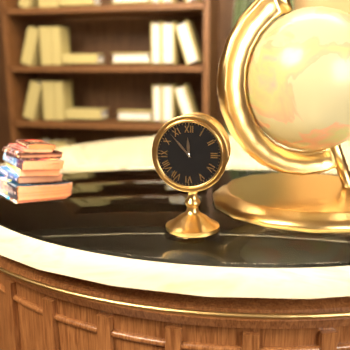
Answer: 11,53
